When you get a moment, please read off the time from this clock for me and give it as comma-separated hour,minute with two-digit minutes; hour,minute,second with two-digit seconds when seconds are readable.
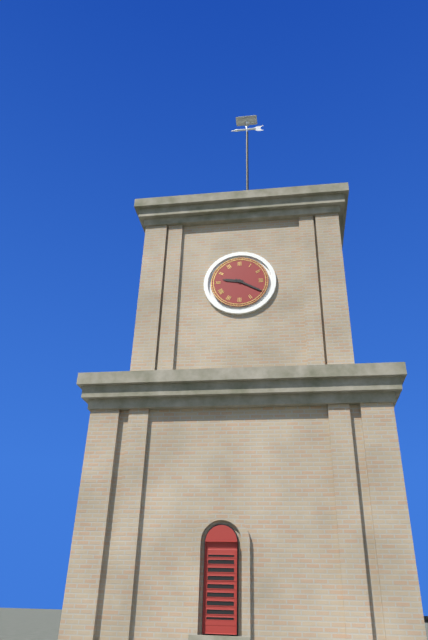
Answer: 9,20
